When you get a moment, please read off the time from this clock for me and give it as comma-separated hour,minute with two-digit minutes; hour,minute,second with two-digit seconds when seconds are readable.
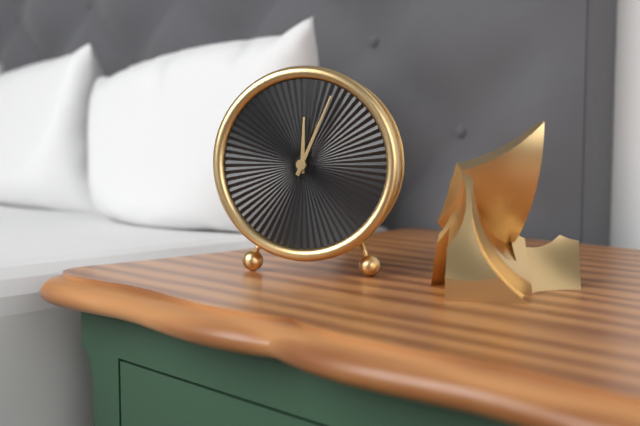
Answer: 12,04
